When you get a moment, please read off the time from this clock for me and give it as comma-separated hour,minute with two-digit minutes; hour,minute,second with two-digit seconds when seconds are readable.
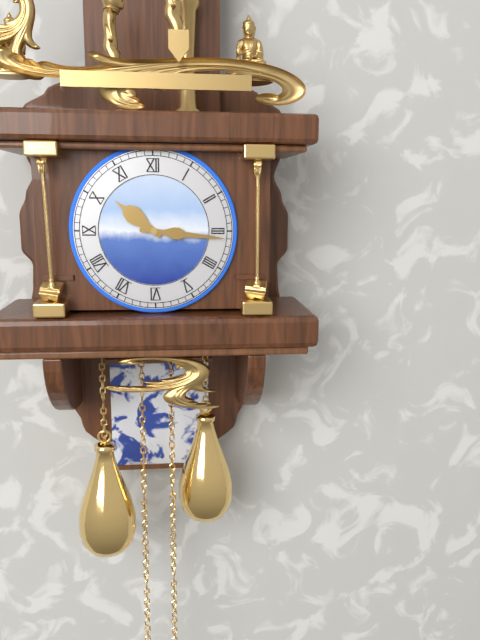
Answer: 10,16
